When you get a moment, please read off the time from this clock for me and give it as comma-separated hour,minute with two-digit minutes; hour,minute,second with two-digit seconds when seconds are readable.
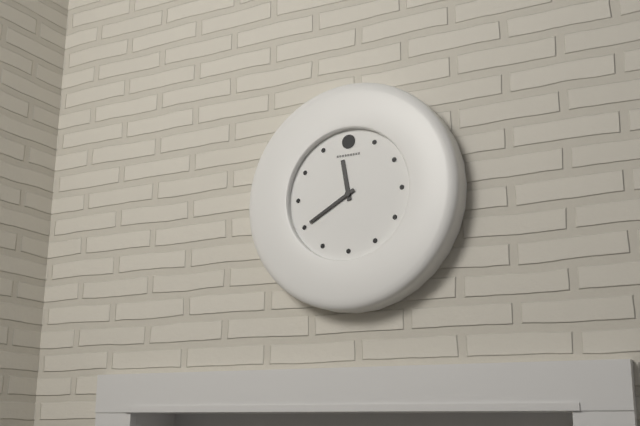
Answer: 11,40
